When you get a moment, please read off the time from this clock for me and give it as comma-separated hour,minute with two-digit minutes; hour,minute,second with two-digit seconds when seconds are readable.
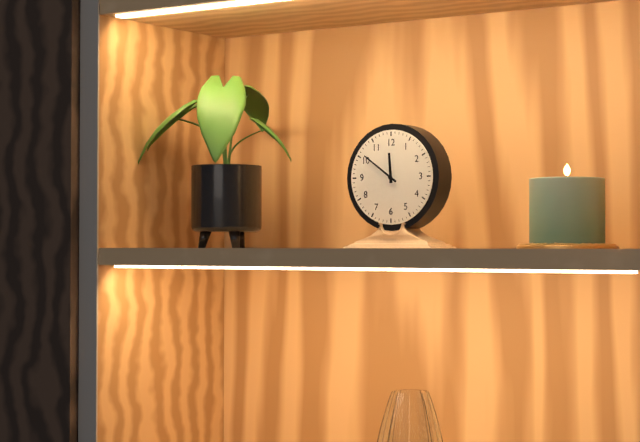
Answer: 11,51
